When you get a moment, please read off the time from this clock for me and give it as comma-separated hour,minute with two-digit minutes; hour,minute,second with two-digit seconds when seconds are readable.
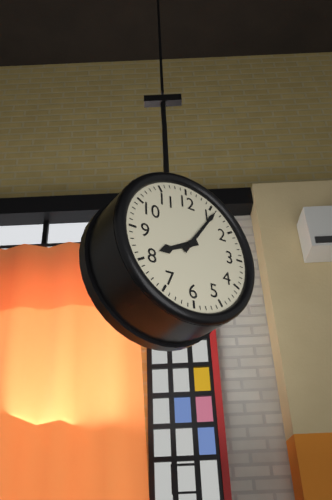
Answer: 8,06
